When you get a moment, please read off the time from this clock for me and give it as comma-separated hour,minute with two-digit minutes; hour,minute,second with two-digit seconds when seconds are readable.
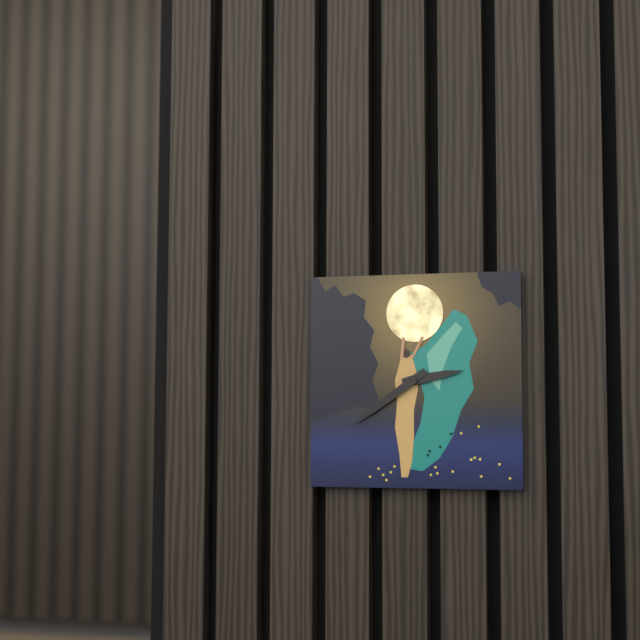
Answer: 2,39
